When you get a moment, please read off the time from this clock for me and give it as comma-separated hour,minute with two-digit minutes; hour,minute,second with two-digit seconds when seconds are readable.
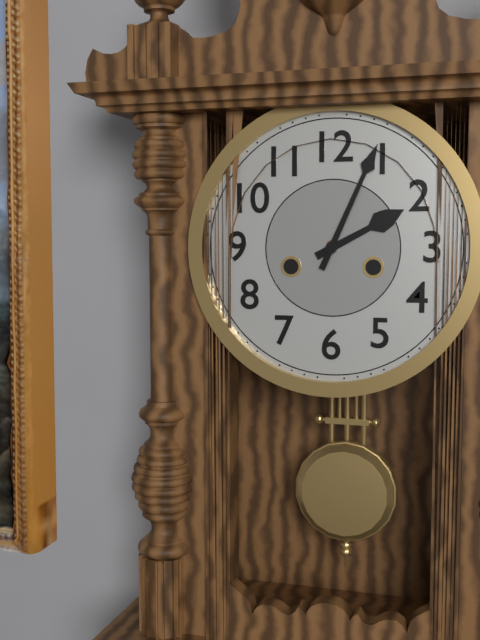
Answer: 2,04
